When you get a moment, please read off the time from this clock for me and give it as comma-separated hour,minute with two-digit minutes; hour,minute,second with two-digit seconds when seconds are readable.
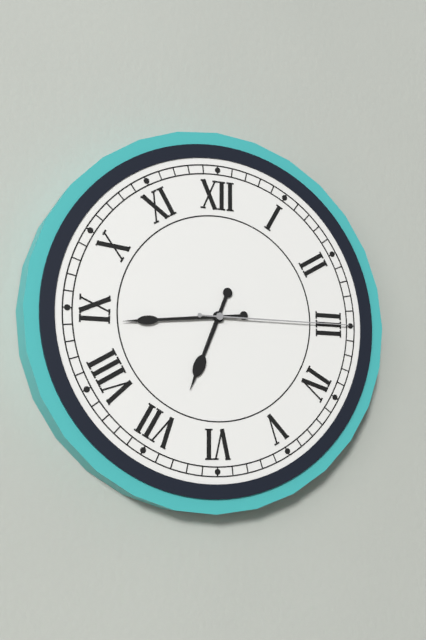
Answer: 6,44,15
